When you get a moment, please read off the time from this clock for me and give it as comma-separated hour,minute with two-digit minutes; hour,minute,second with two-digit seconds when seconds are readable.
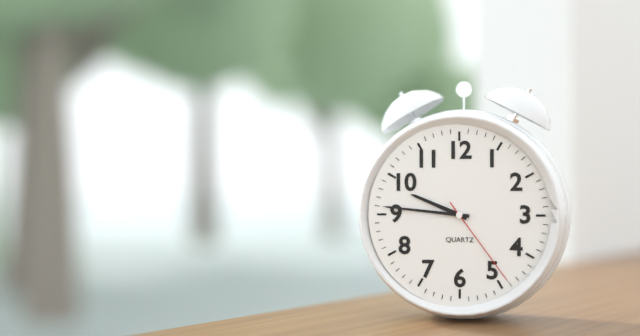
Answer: 9,46,24
